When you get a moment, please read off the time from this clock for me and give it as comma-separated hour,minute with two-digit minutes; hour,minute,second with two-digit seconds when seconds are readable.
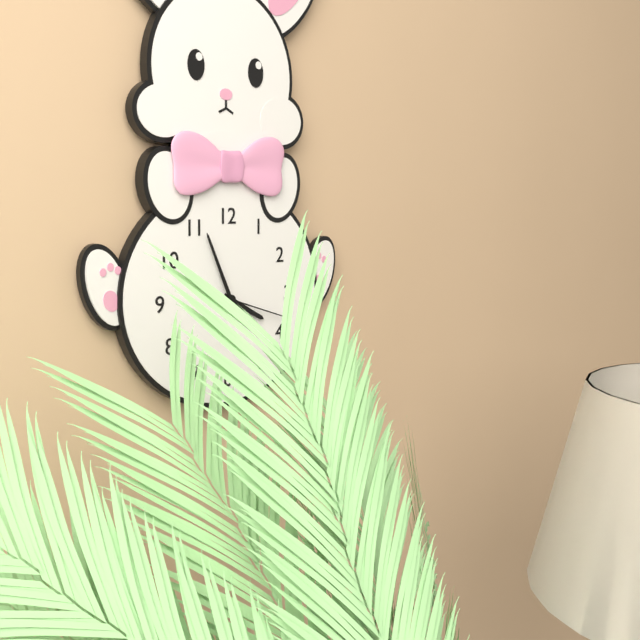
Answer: 3,56,18
